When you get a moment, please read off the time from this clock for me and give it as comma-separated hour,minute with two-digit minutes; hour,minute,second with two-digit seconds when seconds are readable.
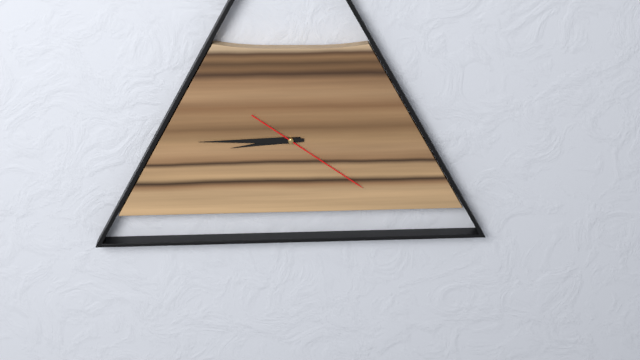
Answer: 8,45,21
